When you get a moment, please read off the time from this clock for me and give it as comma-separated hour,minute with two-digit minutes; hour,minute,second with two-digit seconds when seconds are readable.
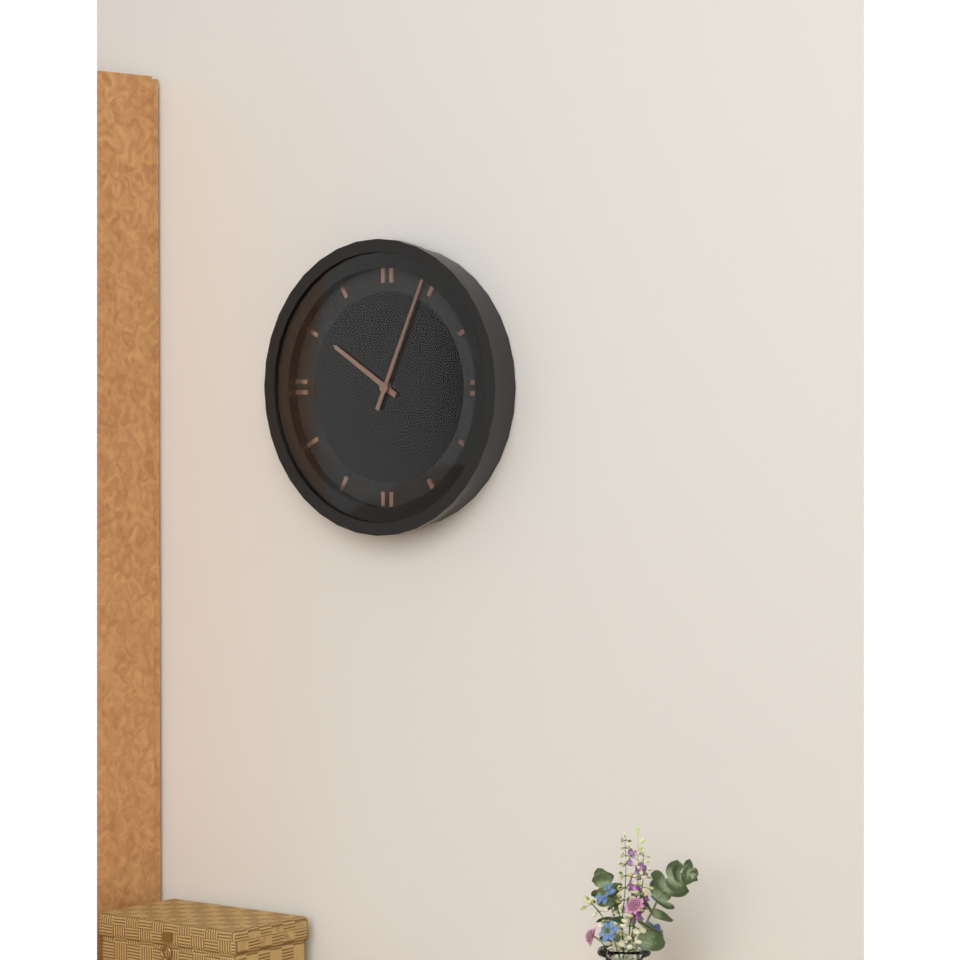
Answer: 10,04
